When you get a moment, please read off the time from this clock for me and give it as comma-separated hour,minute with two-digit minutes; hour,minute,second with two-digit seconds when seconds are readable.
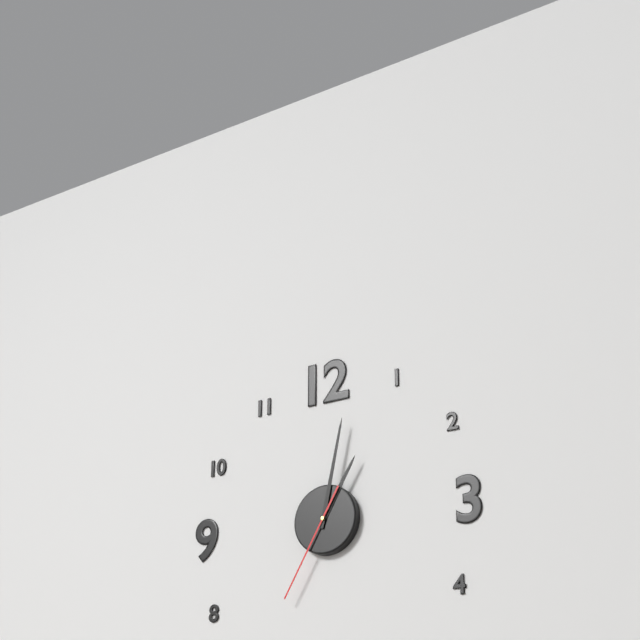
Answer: 1,02,35
